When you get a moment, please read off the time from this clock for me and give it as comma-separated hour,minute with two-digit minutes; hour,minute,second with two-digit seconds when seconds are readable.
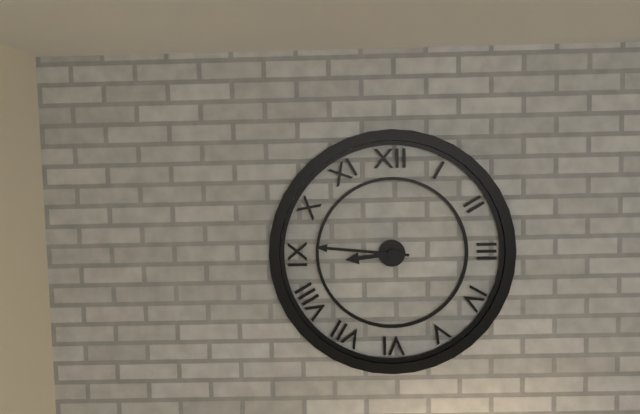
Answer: 8,46
